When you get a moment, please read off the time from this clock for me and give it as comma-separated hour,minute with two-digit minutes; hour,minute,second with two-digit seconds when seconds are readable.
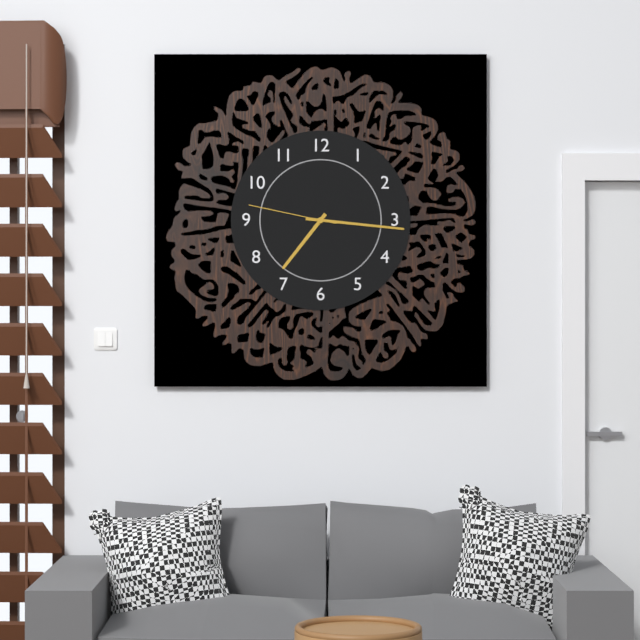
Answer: 7,16,47
